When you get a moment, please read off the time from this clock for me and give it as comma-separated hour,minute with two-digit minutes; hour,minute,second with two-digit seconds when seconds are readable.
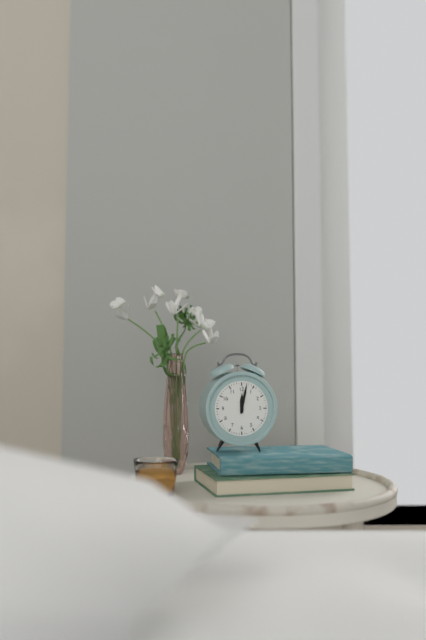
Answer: 12,02
